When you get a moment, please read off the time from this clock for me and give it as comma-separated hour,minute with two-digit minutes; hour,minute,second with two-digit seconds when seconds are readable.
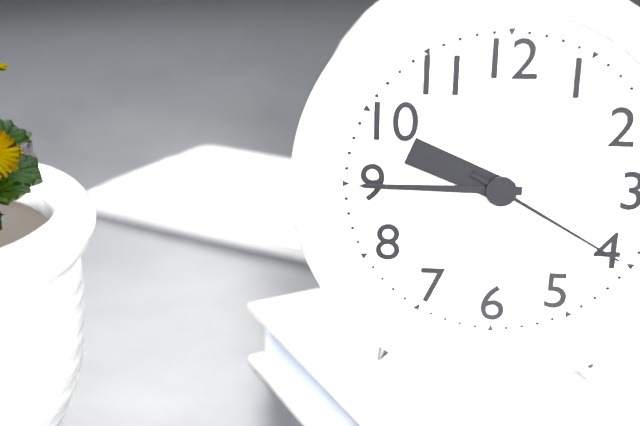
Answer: 9,45,20
